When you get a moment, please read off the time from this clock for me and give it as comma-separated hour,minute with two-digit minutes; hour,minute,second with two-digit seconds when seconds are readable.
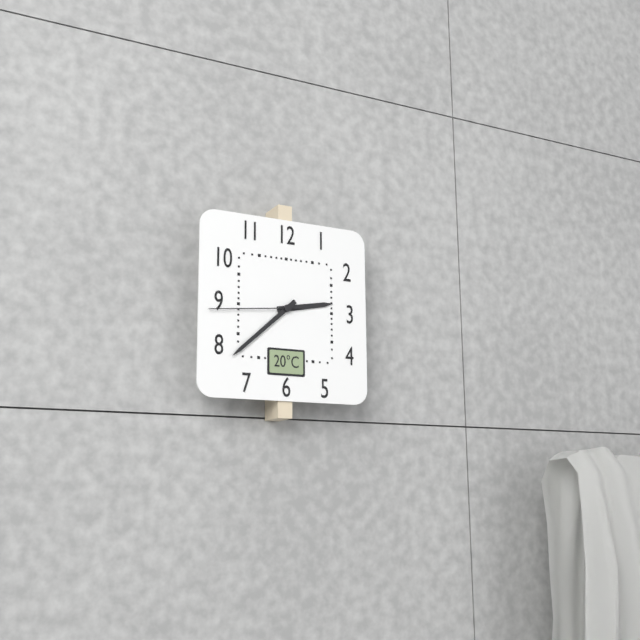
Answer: 2,38,44
